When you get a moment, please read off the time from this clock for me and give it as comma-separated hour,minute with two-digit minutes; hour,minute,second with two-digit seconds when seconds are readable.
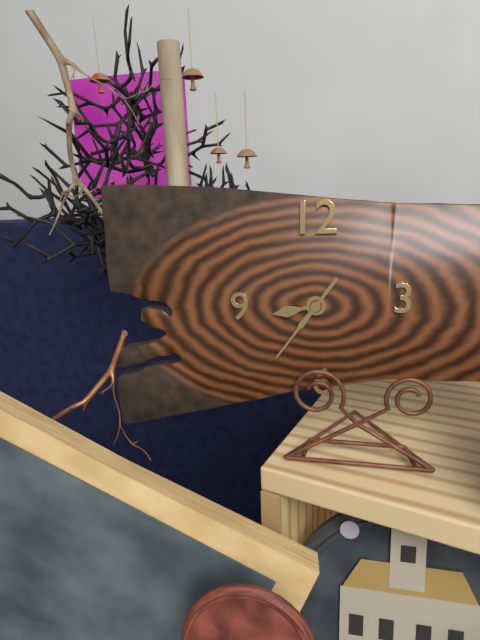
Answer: 8,36
